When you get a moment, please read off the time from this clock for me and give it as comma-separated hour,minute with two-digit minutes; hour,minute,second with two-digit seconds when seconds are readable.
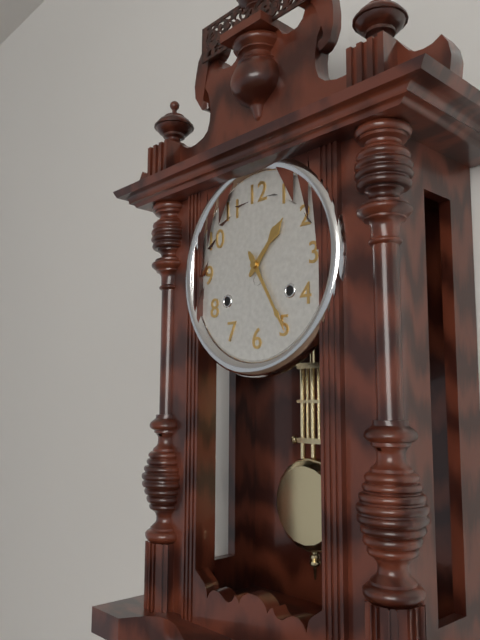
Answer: 1,25
